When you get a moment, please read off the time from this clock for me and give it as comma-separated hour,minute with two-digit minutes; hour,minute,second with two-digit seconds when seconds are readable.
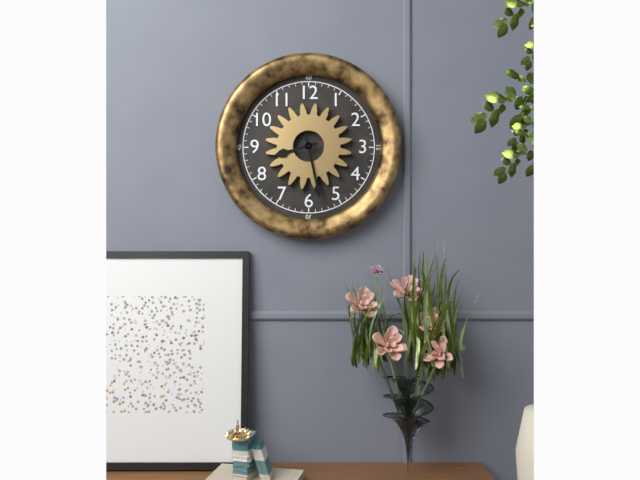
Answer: 8,28
